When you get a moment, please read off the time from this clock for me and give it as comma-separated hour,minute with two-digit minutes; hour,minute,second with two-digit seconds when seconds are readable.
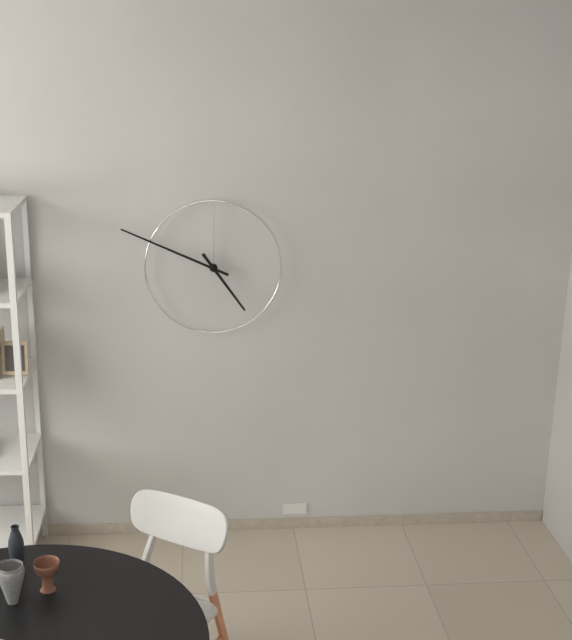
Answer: 4,49
